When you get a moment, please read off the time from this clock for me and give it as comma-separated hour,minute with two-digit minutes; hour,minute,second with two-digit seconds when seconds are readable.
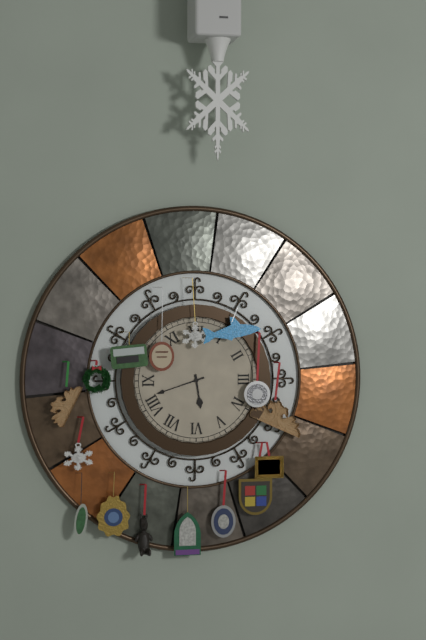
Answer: 5,42
